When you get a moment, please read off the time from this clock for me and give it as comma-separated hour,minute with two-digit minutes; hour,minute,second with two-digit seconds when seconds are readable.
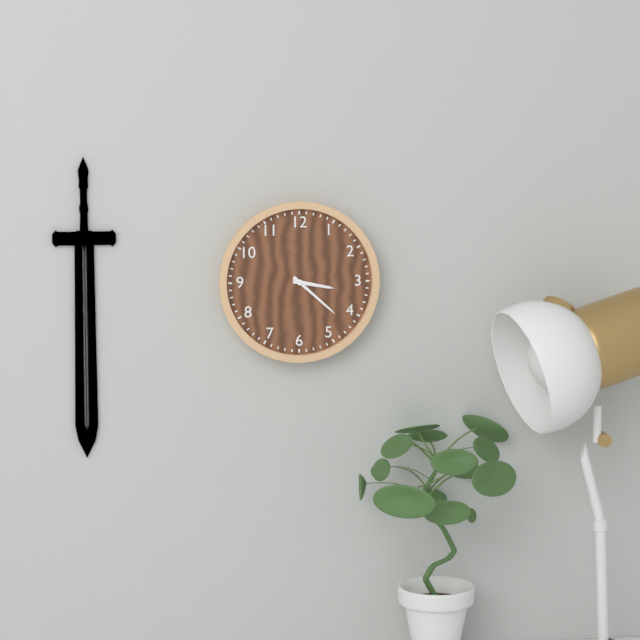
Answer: 3,22
